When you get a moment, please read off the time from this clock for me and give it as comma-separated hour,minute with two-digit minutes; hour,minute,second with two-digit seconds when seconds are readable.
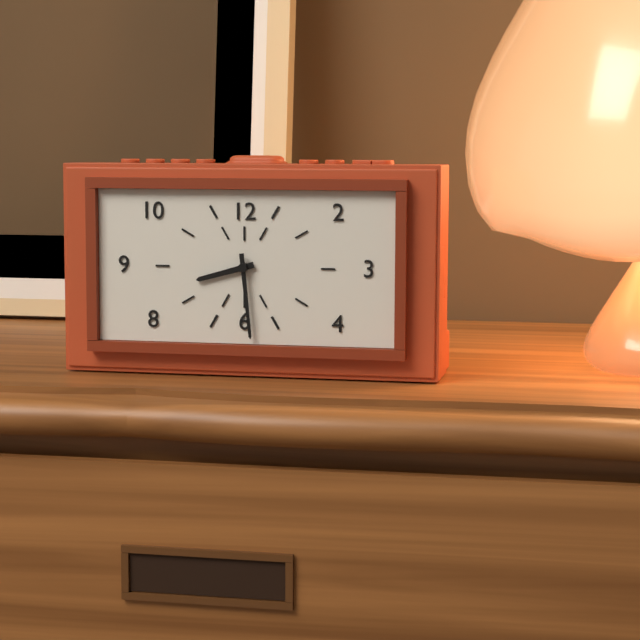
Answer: 8,29
